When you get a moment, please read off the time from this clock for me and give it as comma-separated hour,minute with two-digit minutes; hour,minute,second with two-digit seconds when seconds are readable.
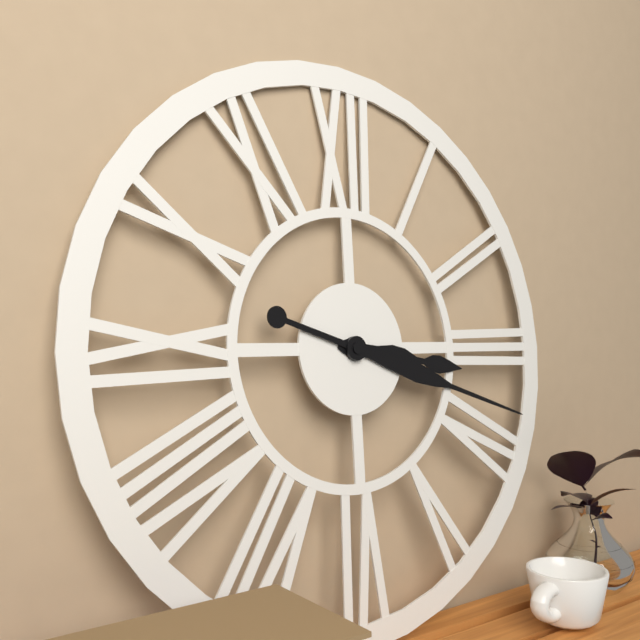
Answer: 3,18
